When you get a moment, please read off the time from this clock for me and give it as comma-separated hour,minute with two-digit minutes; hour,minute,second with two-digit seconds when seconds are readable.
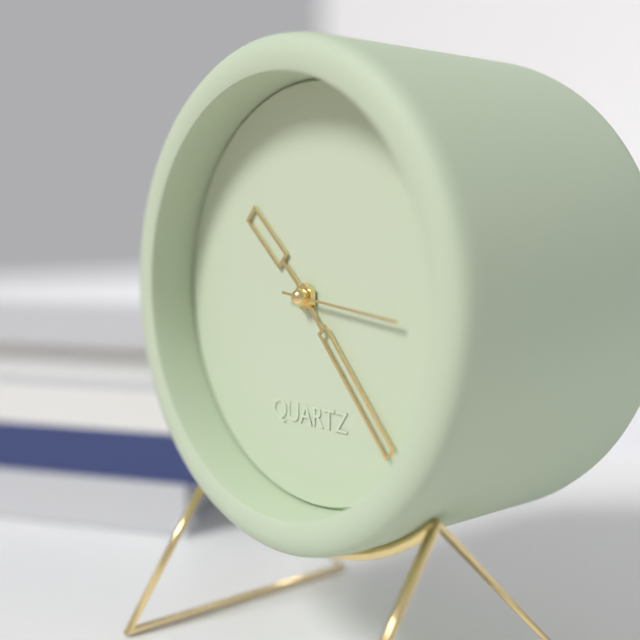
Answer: 10,23,16
